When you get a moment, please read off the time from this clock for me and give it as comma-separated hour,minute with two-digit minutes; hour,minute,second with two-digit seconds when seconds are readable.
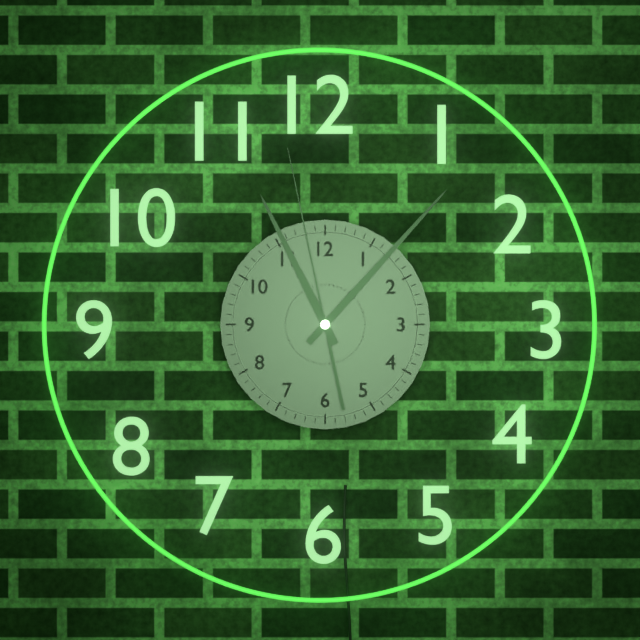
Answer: 11,07,58
